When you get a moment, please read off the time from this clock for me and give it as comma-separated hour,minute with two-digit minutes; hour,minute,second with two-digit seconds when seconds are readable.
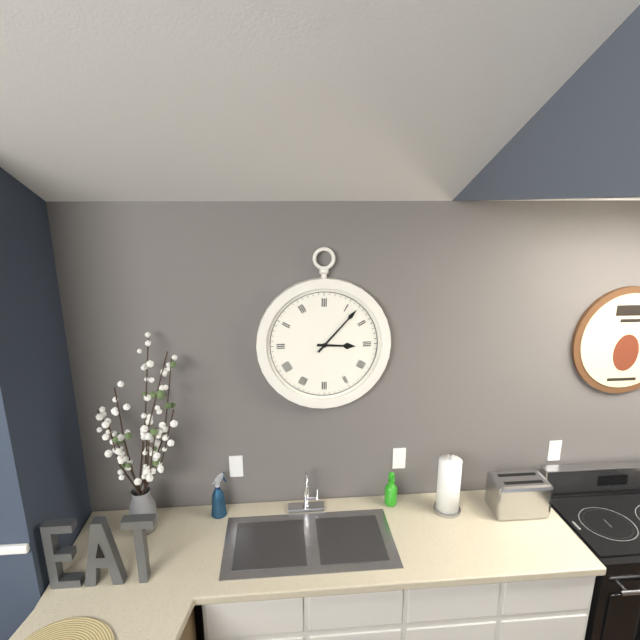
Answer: 3,07
